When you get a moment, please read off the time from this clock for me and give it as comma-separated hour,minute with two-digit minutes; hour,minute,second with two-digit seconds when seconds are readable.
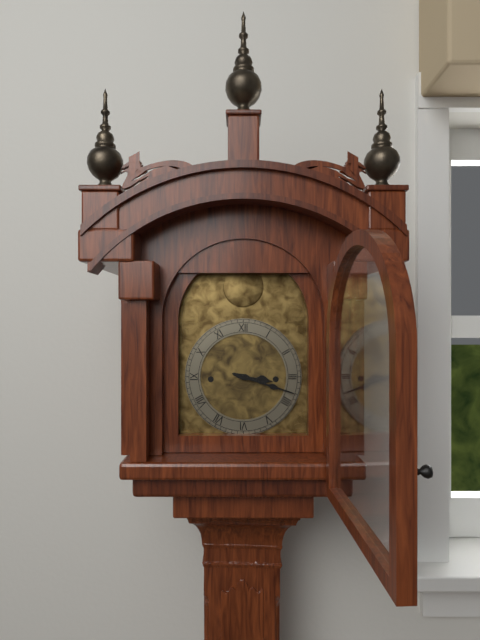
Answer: 3,18
